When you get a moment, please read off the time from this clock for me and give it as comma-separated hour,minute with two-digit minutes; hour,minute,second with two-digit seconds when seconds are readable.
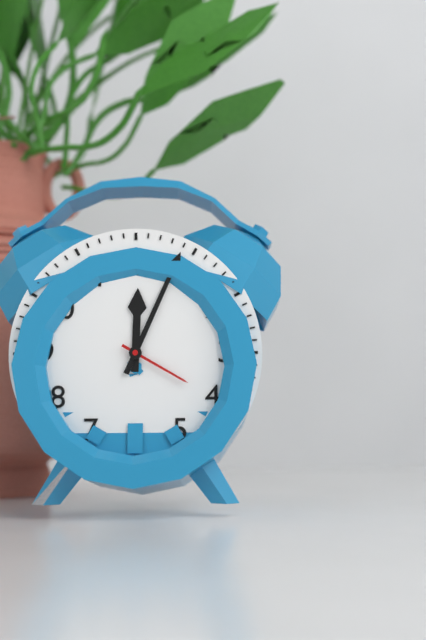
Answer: 12,04,20
